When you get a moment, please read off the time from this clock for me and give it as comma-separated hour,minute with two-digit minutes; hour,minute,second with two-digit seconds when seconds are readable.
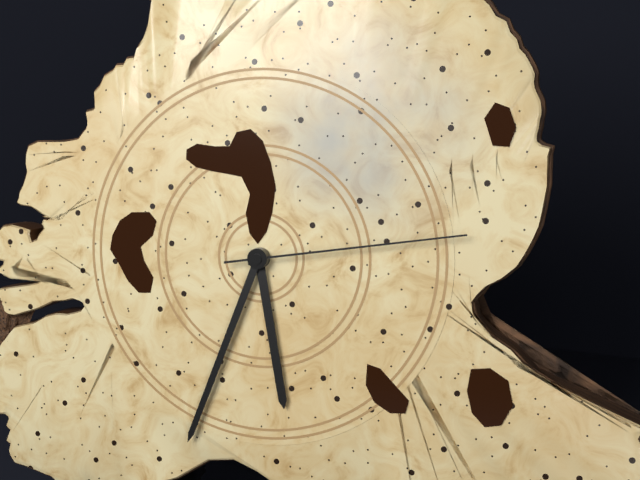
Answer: 5,33,13
